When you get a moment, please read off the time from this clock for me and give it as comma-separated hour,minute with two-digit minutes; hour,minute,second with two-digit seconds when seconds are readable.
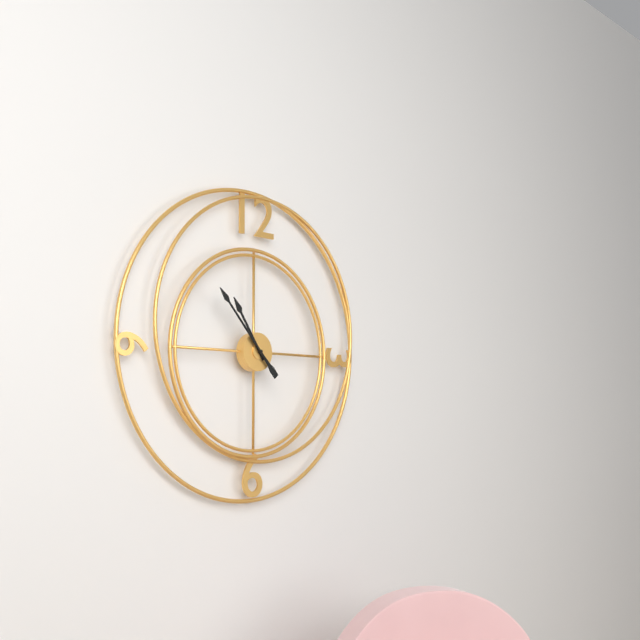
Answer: 10,53
